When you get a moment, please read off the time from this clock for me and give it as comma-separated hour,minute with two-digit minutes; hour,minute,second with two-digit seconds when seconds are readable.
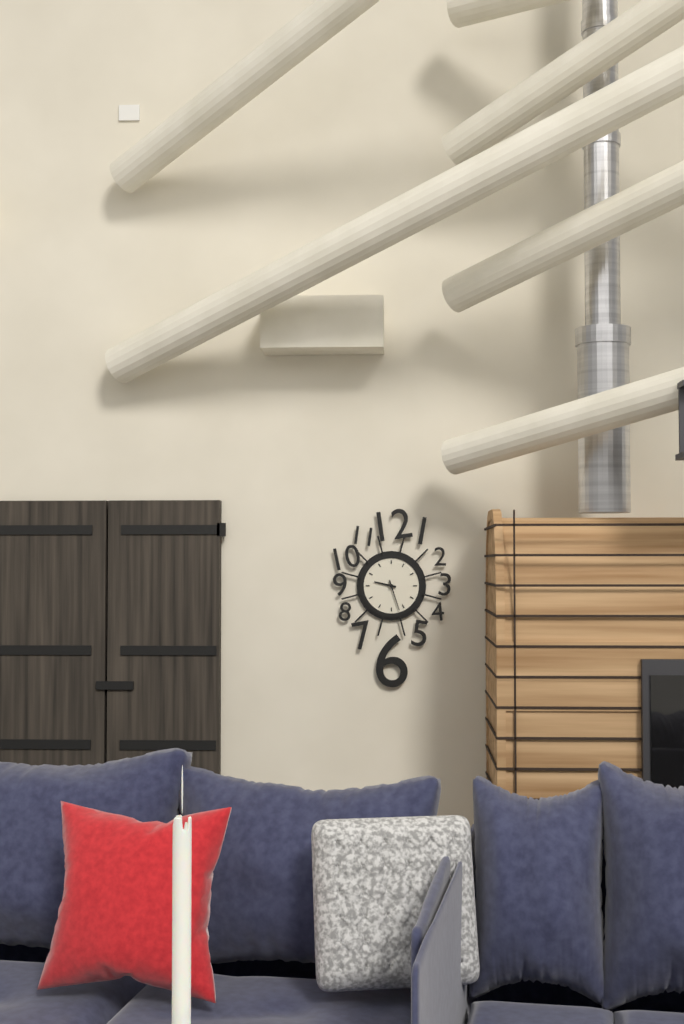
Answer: 9,27
